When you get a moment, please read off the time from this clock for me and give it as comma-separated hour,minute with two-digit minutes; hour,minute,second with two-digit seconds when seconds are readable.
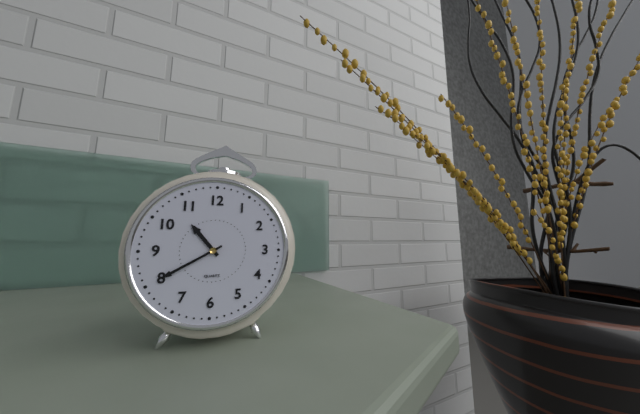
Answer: 10,40
